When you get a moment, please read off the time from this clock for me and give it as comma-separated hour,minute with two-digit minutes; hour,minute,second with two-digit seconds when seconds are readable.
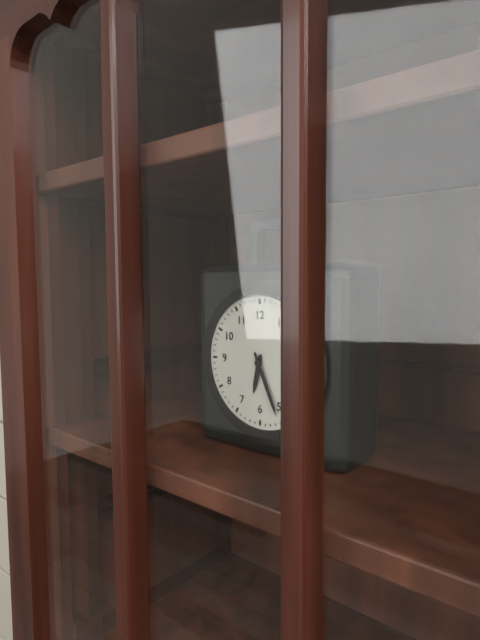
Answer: 6,26
